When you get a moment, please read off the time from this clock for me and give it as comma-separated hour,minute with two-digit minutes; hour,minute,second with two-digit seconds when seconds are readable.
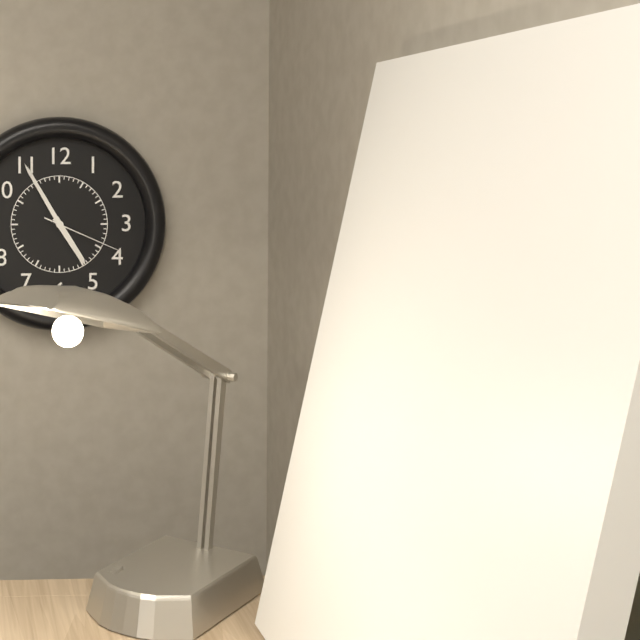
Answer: 4,55,19
